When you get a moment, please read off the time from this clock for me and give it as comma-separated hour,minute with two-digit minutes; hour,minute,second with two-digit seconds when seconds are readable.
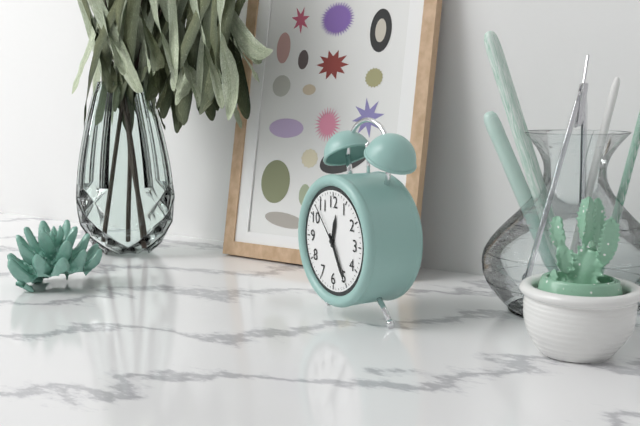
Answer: 12,25,53
